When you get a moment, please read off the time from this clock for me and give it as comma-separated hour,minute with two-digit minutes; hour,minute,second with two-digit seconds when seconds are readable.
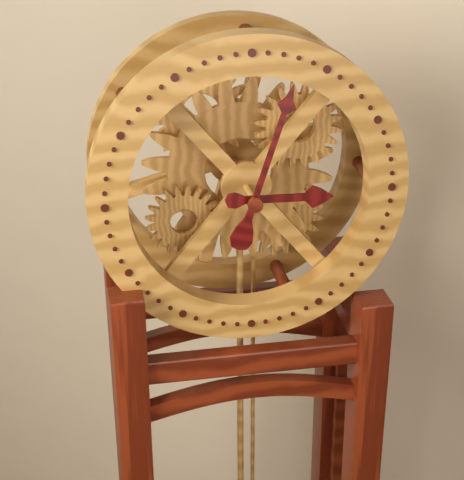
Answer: 3,03
